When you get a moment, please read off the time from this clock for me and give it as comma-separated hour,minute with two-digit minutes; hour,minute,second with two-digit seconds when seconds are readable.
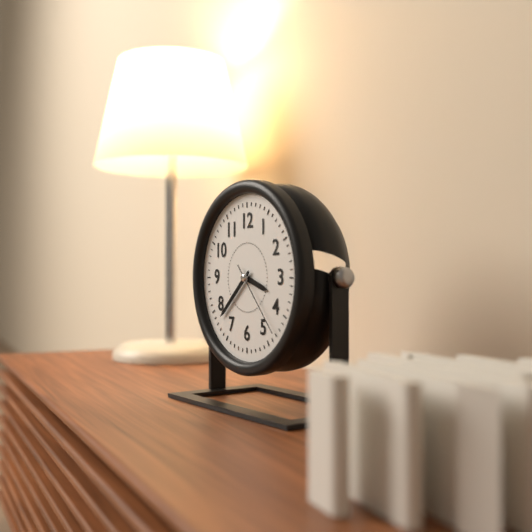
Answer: 3,38,23
